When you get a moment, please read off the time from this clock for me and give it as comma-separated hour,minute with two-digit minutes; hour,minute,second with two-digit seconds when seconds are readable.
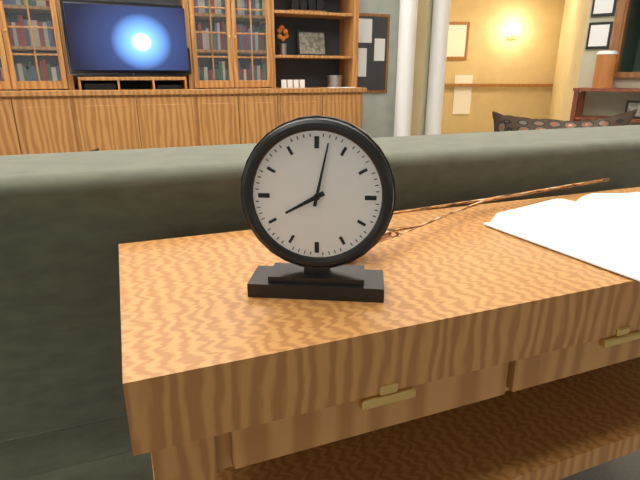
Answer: 8,02
